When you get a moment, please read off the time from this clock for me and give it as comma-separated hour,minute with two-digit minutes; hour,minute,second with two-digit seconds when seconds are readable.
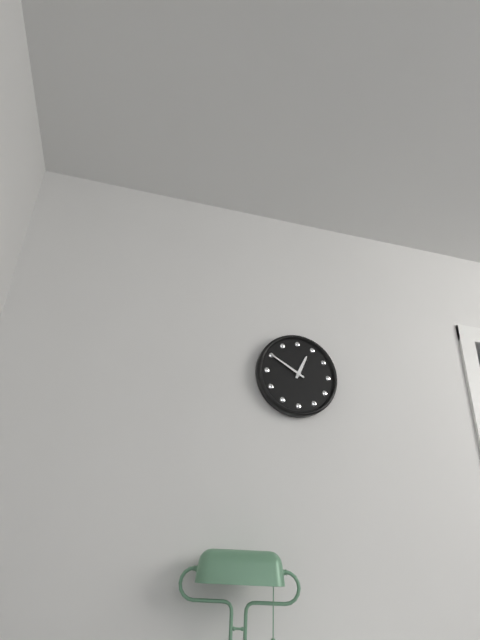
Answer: 12,50
